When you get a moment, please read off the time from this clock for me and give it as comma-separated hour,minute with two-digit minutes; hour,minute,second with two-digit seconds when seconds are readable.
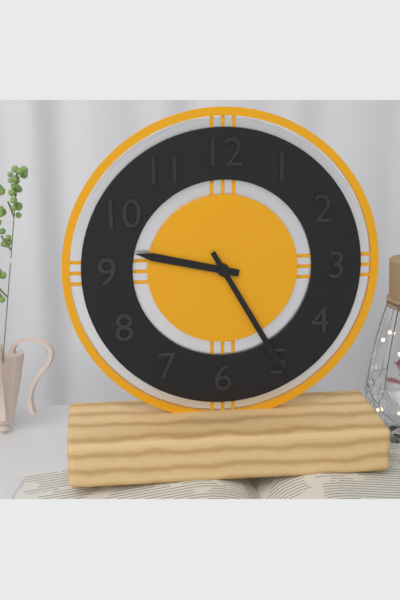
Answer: 9,25
